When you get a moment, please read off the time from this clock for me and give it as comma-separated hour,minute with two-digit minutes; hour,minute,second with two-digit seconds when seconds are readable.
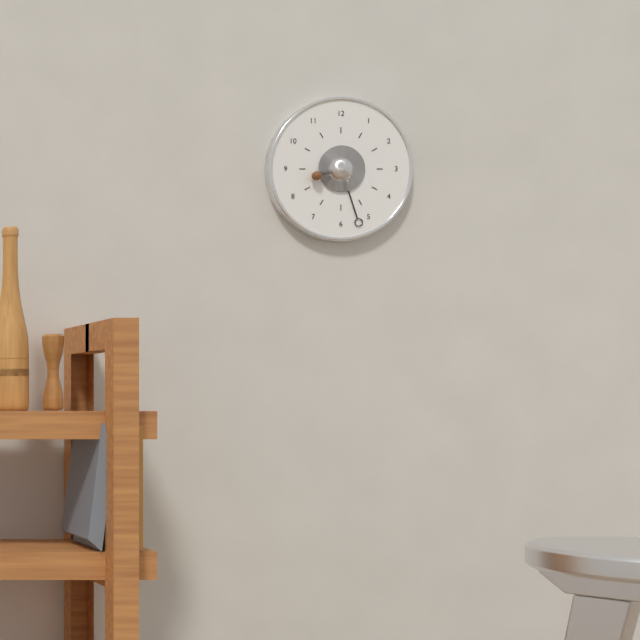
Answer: 8,27
